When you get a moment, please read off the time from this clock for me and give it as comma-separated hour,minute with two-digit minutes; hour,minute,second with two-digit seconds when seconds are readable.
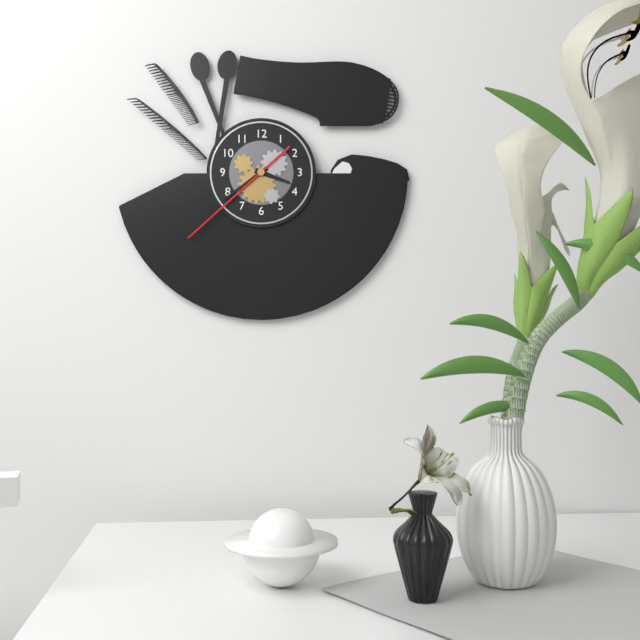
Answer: 3,39,38
